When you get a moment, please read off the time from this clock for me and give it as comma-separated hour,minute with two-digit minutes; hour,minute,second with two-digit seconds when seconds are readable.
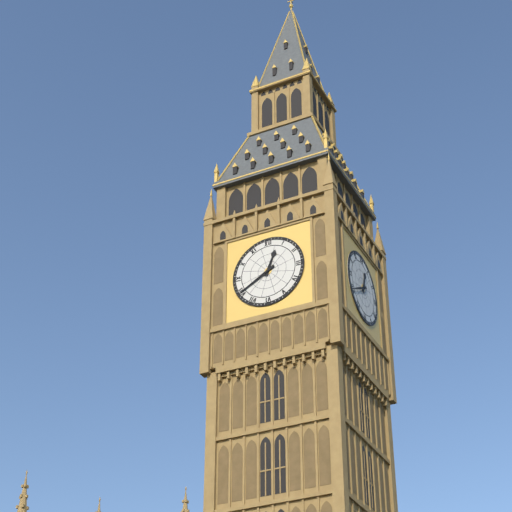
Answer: 12,40
